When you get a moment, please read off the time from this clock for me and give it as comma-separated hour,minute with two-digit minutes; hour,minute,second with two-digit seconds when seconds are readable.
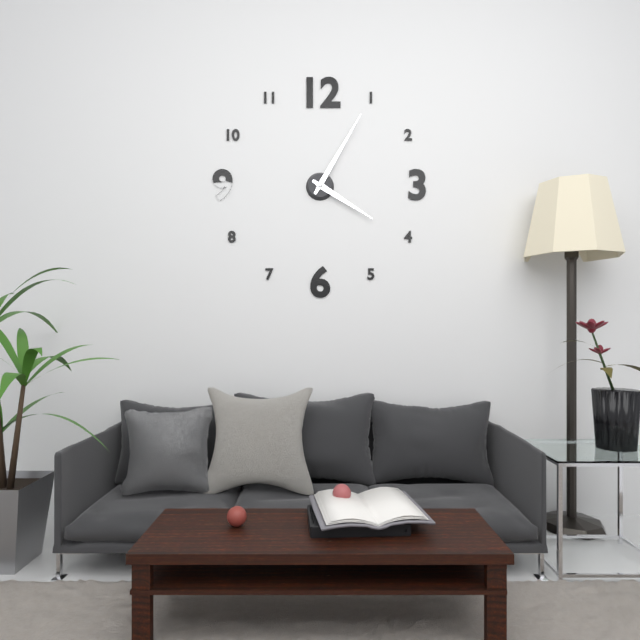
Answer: 4,05
